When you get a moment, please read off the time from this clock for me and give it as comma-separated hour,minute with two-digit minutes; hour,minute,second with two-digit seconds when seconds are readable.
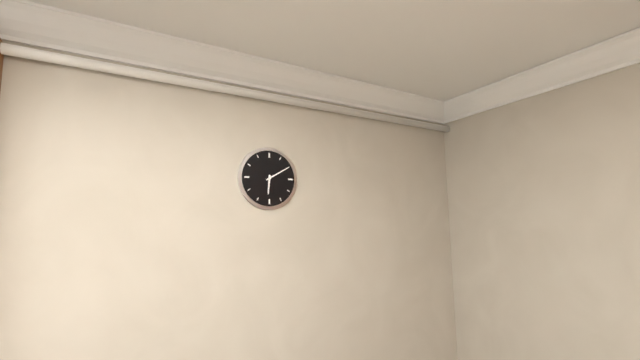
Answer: 6,10
